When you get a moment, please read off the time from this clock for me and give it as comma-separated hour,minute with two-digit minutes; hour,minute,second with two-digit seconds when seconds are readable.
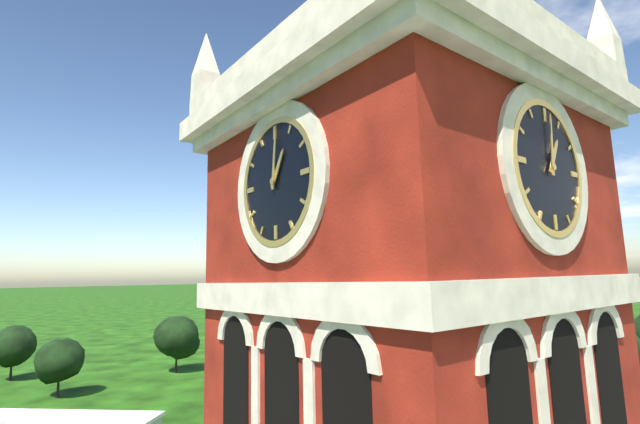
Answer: 1,01
